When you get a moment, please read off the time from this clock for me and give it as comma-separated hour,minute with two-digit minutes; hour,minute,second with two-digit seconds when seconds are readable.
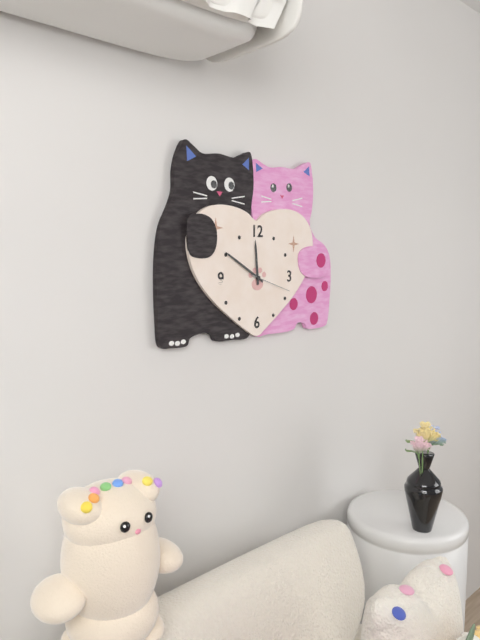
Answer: 11,50,18
